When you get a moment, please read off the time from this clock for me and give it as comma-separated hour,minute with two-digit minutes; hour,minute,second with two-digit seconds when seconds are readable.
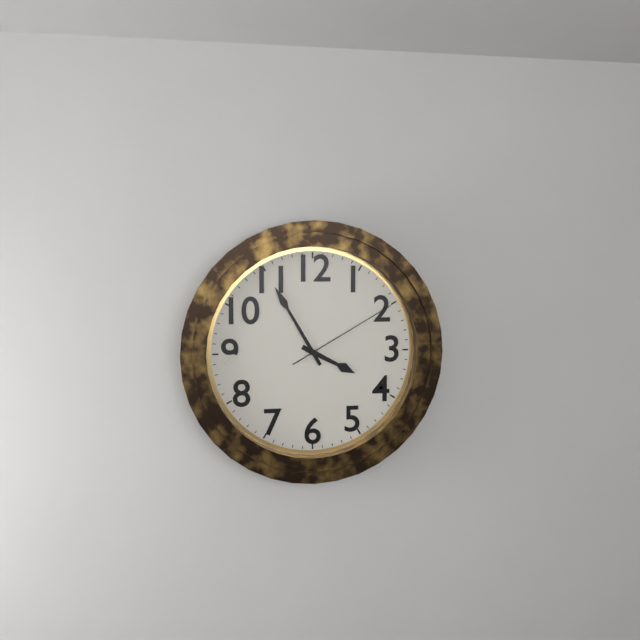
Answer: 3,55,10
